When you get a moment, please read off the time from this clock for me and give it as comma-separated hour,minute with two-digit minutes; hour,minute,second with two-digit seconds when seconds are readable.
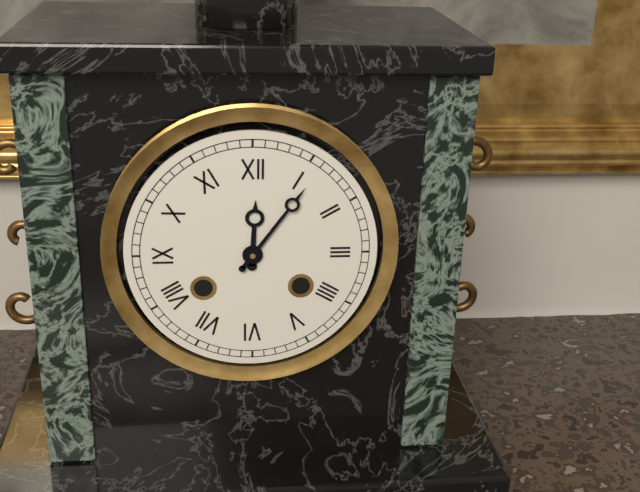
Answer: 12,06
